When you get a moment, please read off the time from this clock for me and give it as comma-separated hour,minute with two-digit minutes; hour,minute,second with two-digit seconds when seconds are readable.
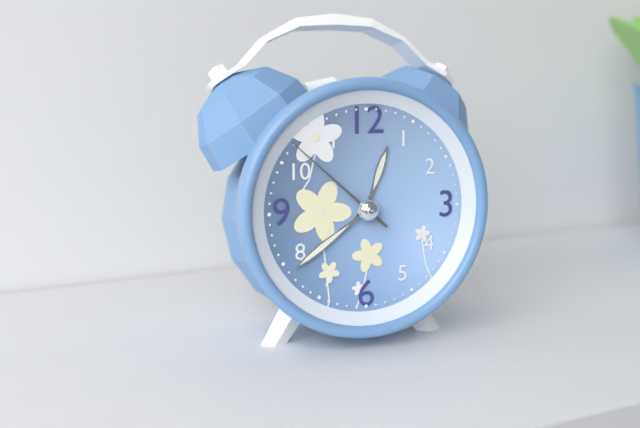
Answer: 12,39,52
